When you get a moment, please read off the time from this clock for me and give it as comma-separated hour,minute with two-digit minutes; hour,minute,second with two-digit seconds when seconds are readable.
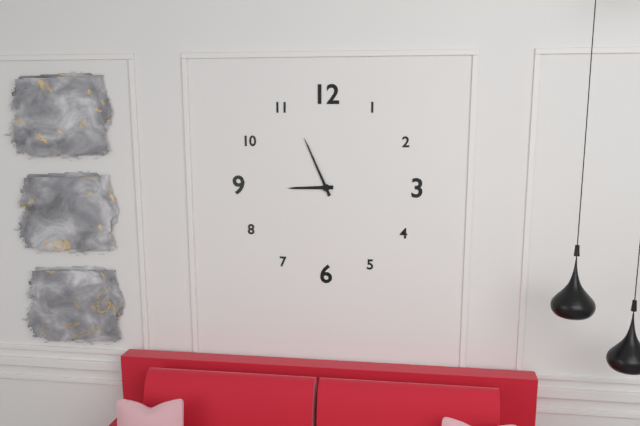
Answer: 8,56
